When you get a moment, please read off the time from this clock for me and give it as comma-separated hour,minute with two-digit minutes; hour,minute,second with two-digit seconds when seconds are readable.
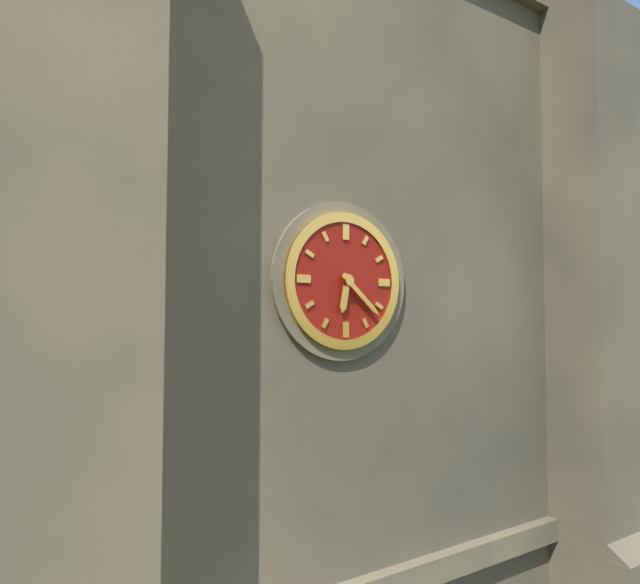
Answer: 6,22
